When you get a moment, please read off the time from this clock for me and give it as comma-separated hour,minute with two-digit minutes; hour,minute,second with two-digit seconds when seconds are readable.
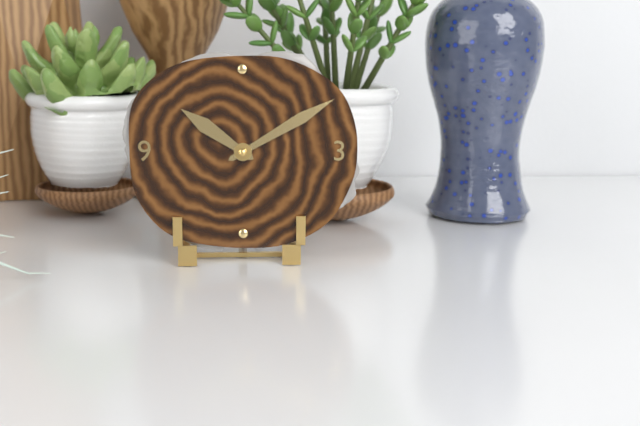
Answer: 10,10
